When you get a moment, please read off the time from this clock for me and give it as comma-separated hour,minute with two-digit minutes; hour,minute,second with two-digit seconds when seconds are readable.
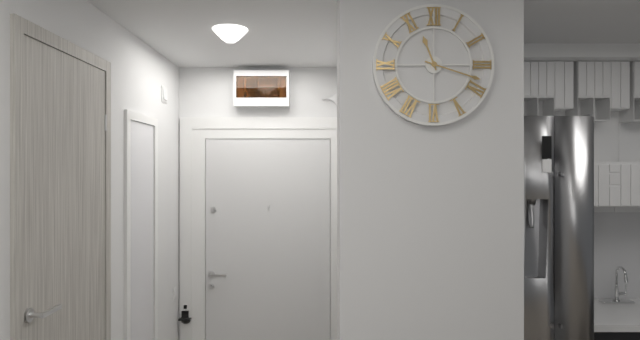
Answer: 11,18
